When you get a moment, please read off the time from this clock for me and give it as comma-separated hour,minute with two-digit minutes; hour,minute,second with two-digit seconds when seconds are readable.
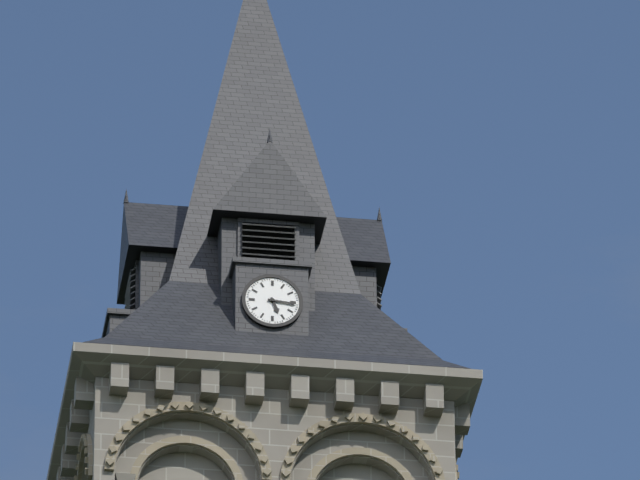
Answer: 5,16
